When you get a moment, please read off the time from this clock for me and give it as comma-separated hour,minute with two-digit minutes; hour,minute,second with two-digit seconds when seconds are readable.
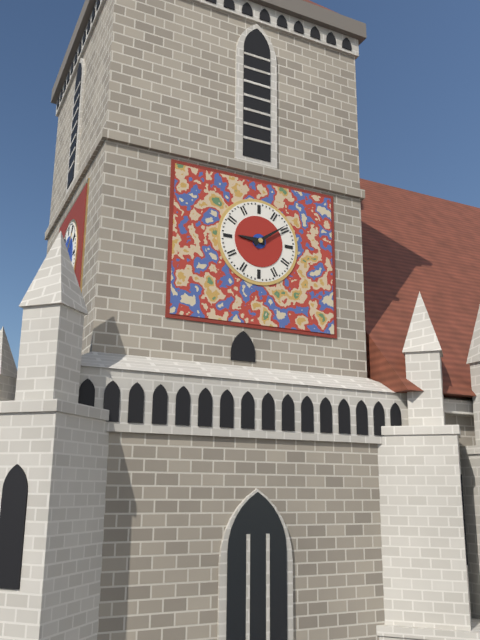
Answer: 9,09
